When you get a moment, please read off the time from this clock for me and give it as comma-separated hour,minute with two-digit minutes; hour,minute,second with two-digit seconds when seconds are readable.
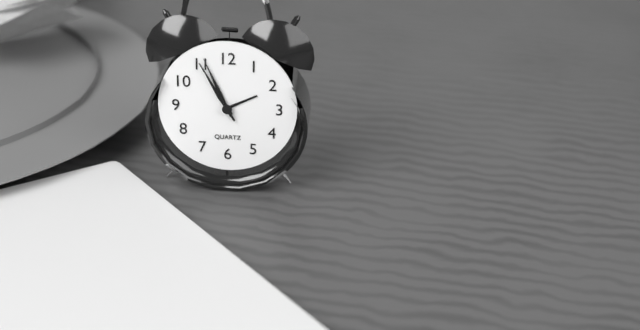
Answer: 10,56,55
